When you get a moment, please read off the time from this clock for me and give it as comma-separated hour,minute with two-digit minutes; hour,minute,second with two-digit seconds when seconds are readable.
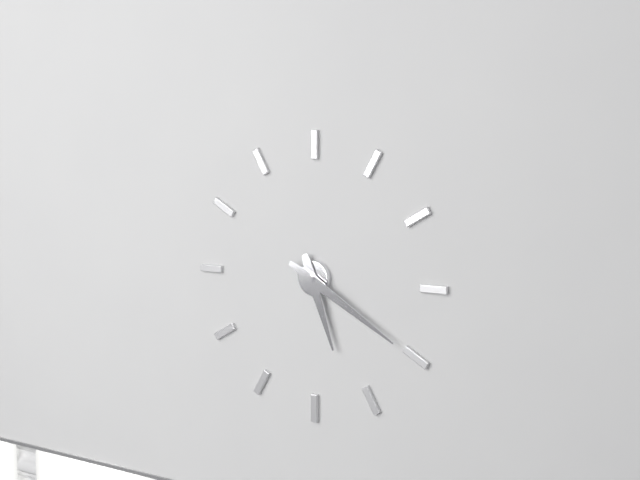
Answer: 5,20
